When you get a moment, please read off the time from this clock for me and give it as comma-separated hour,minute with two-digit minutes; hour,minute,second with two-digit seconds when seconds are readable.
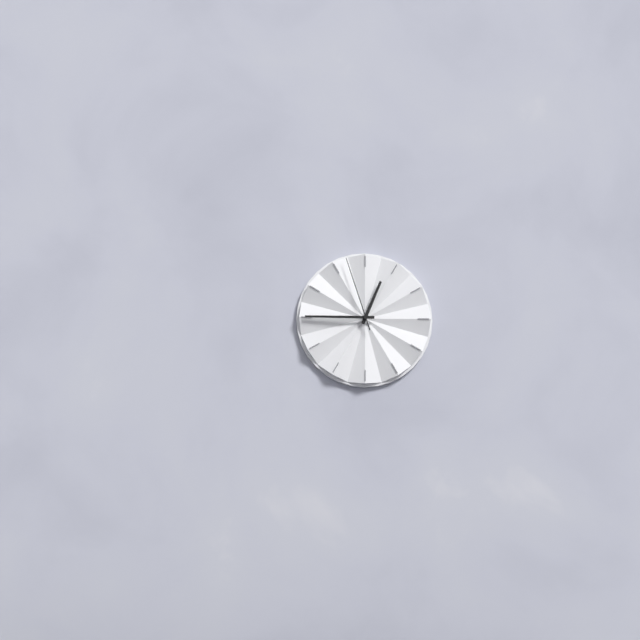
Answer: 12,45,57
